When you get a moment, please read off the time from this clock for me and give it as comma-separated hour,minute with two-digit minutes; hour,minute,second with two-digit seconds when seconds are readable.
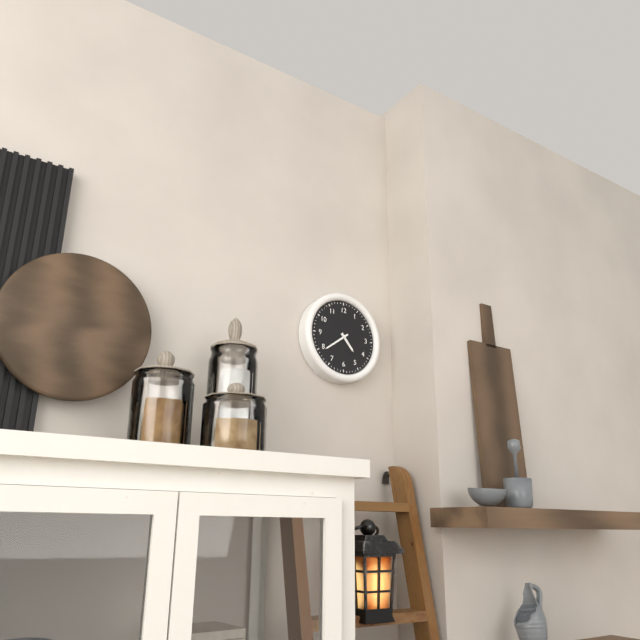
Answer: 4,39
